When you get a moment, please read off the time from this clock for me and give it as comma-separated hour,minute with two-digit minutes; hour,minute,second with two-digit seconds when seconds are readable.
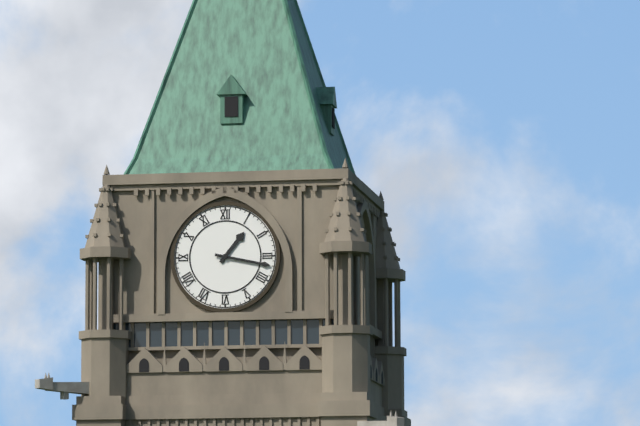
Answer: 1,17
